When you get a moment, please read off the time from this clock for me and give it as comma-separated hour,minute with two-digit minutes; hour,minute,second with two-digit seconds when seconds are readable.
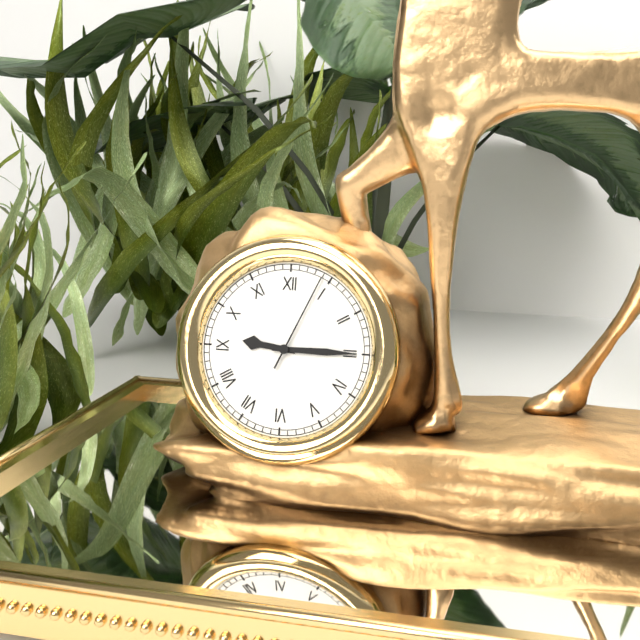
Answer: 9,15,04
